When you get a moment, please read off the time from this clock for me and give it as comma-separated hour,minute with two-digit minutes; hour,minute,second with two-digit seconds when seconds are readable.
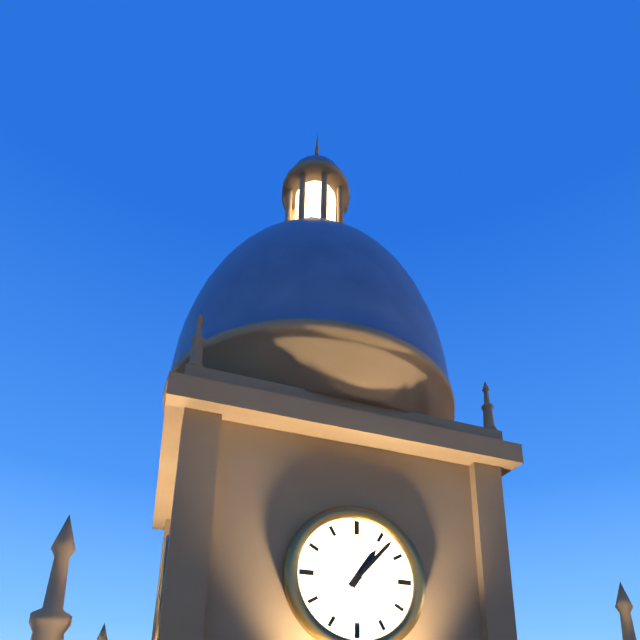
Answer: 1,07
